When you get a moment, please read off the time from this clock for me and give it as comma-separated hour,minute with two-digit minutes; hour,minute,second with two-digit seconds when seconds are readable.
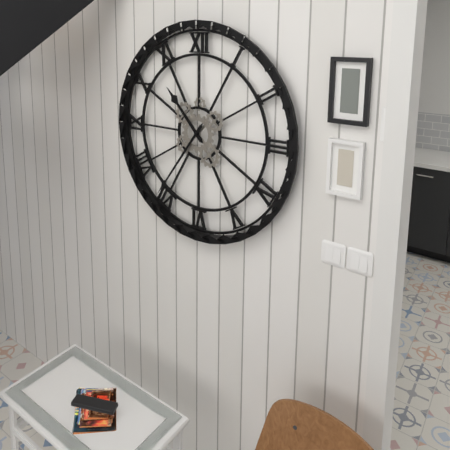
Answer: 10,36
